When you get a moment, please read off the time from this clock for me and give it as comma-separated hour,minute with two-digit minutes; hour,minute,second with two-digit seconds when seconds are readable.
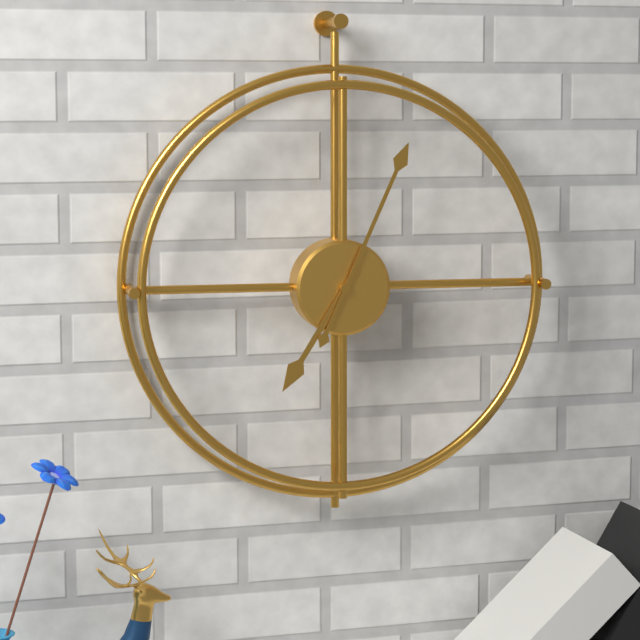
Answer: 7,04
